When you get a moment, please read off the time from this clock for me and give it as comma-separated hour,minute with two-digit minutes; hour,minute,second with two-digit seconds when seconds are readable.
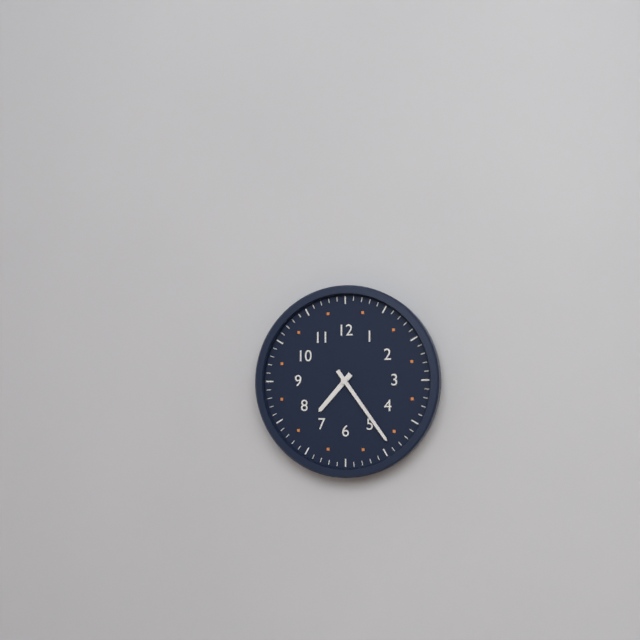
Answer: 7,24
